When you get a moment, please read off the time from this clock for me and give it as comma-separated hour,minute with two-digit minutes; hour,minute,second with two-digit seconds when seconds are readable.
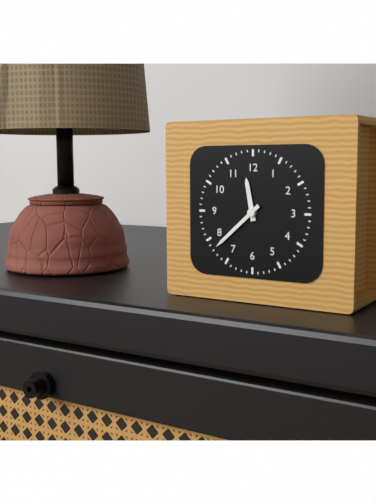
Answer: 11,38
